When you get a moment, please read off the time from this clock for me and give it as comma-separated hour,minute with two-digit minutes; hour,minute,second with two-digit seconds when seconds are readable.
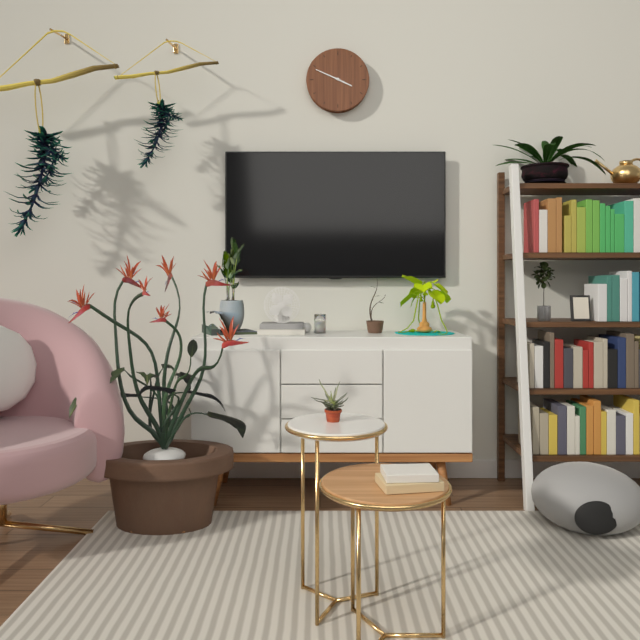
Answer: 3,49
